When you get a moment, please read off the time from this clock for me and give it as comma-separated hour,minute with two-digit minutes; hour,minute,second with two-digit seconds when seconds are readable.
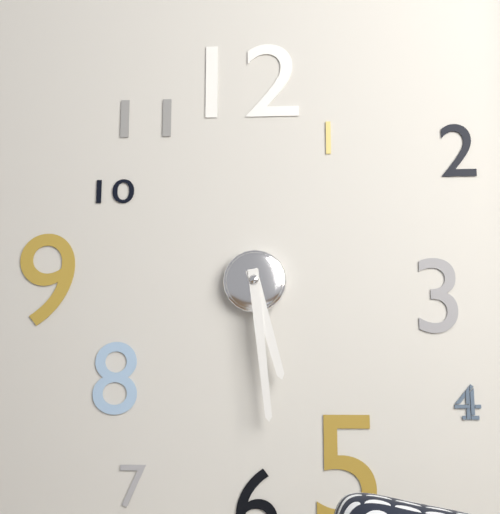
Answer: 5,29
